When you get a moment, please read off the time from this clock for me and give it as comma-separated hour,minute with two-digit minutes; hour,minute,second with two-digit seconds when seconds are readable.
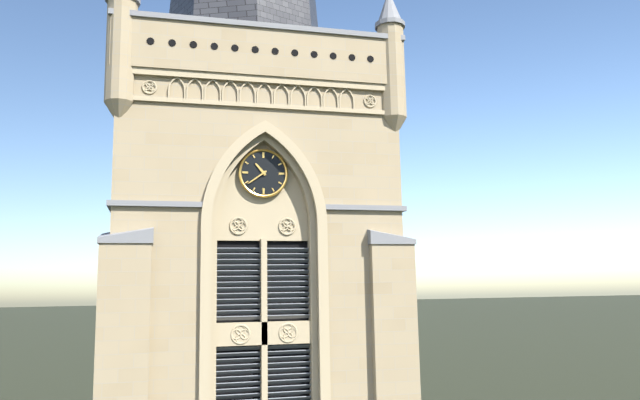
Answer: 10,39
